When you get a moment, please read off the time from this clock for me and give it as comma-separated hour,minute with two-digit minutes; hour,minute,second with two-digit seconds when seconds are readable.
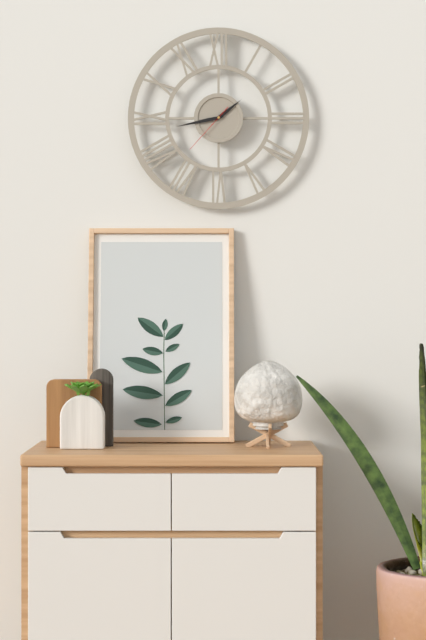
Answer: 1,43,37
